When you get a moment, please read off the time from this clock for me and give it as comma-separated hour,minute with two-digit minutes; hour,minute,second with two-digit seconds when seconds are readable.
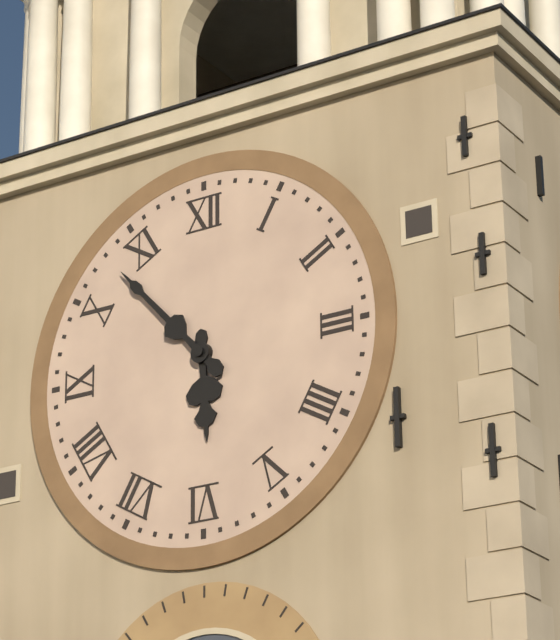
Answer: 5,53
